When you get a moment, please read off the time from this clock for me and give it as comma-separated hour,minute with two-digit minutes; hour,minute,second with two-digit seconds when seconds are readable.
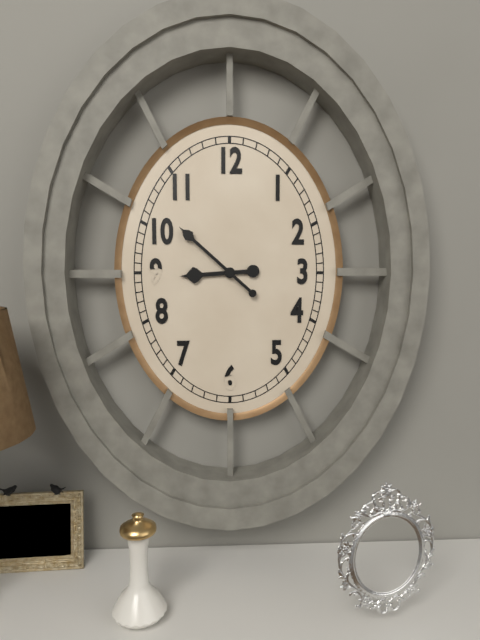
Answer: 8,52
